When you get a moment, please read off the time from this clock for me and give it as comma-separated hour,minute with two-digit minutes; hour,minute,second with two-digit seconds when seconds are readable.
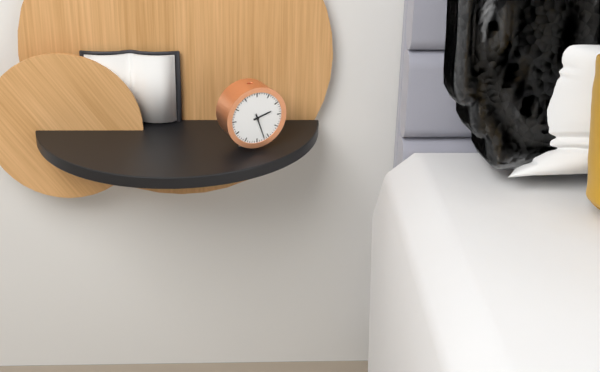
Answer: 2,27
